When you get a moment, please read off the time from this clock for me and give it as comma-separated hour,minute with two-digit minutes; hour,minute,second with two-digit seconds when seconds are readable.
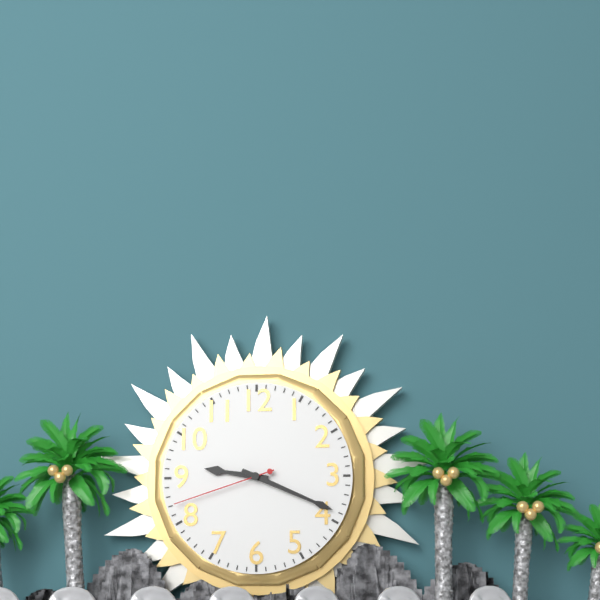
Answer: 9,19,42
